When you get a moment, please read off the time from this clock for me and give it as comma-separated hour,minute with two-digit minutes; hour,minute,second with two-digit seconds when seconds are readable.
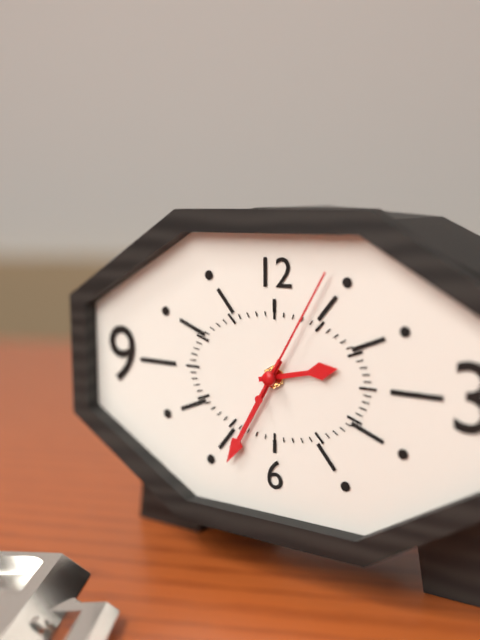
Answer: 2,35,05
